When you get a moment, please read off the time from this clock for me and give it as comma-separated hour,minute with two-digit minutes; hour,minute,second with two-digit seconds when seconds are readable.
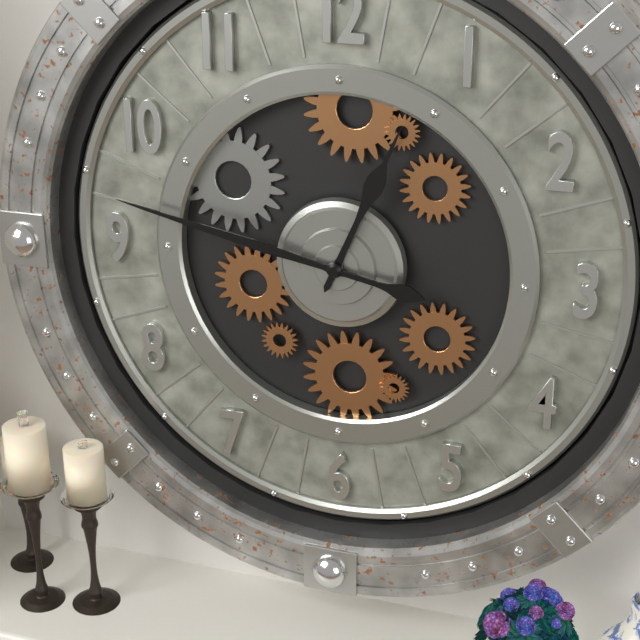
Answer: 12,47
